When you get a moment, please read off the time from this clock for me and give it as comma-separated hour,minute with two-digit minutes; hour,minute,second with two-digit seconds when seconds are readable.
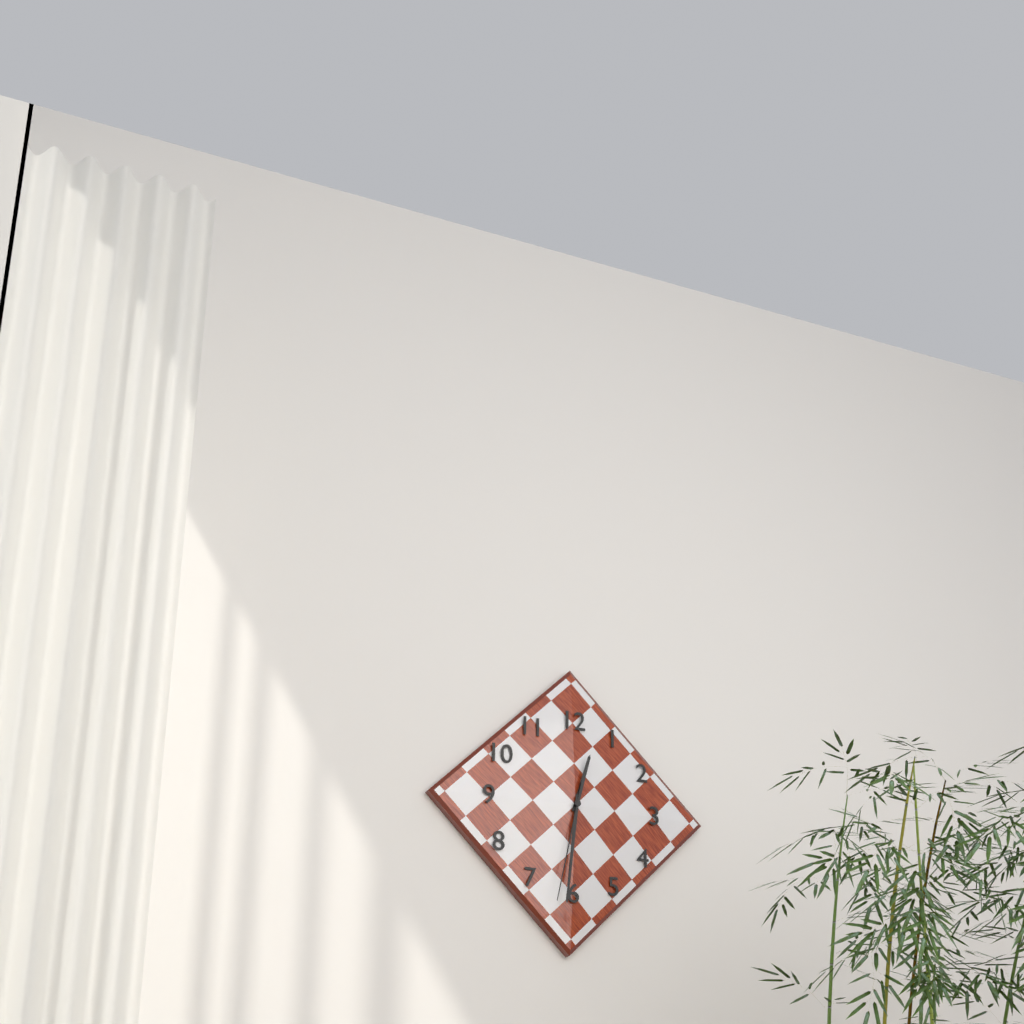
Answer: 12,31,32
